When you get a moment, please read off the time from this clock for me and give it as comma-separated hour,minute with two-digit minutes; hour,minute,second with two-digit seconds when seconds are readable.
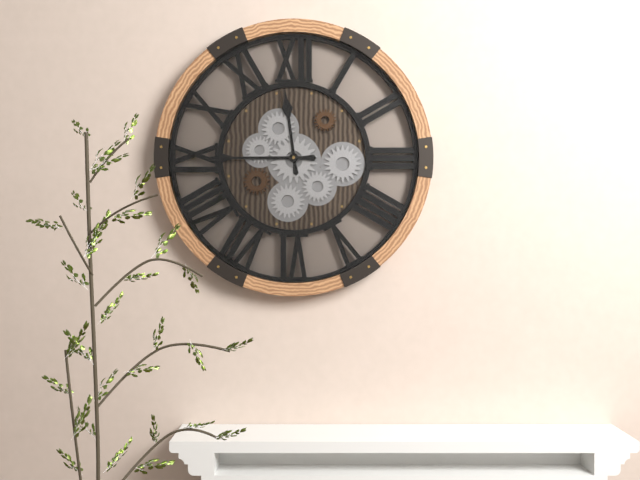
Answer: 11,45
